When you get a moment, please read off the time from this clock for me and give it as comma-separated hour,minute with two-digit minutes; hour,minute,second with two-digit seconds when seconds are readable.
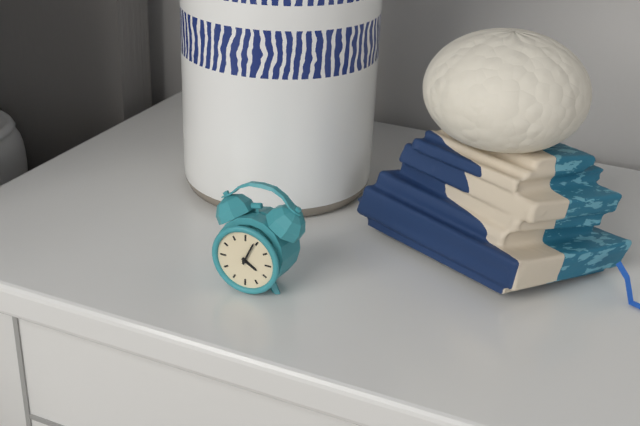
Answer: 4,04
